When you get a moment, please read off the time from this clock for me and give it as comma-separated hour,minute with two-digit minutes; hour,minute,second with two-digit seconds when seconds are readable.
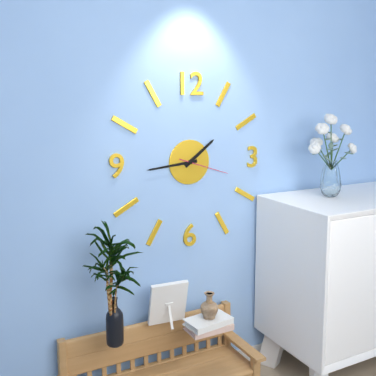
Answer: 1,44,18
